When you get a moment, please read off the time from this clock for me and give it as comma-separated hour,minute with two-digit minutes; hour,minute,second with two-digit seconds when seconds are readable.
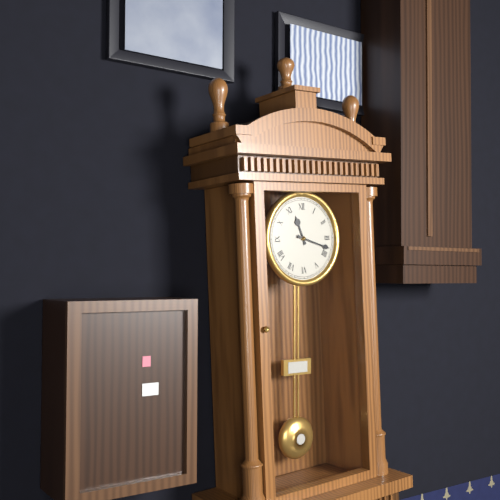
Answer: 11,18
